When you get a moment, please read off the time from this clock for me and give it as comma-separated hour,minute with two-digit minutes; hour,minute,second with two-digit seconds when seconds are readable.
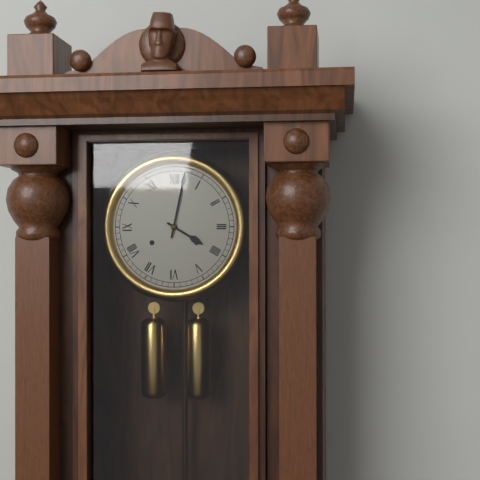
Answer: 4,02
